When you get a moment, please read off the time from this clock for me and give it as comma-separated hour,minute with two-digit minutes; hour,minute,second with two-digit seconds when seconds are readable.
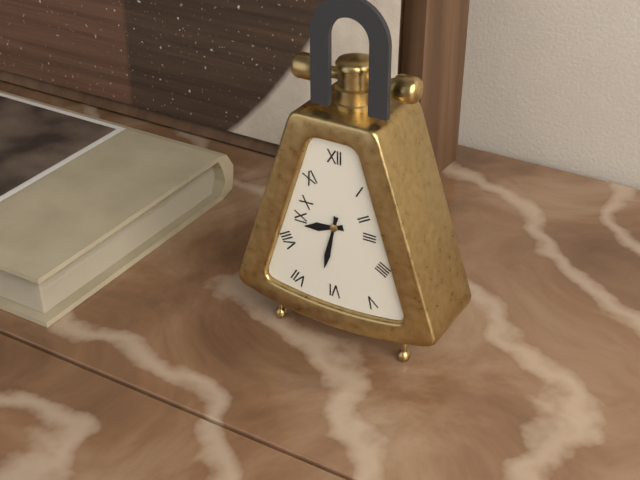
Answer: 8,32
